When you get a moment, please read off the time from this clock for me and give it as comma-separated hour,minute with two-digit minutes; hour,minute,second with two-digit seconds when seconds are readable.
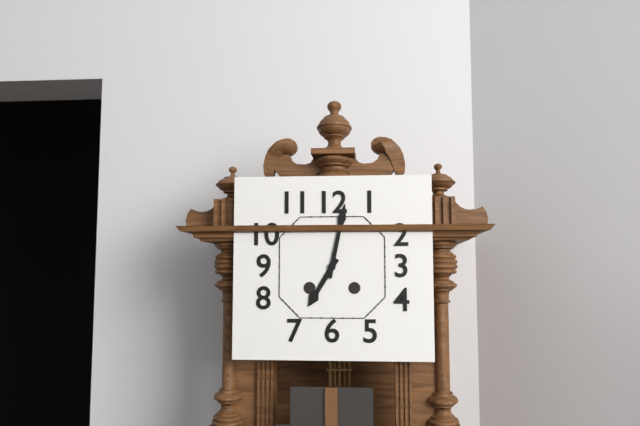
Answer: 7,02
